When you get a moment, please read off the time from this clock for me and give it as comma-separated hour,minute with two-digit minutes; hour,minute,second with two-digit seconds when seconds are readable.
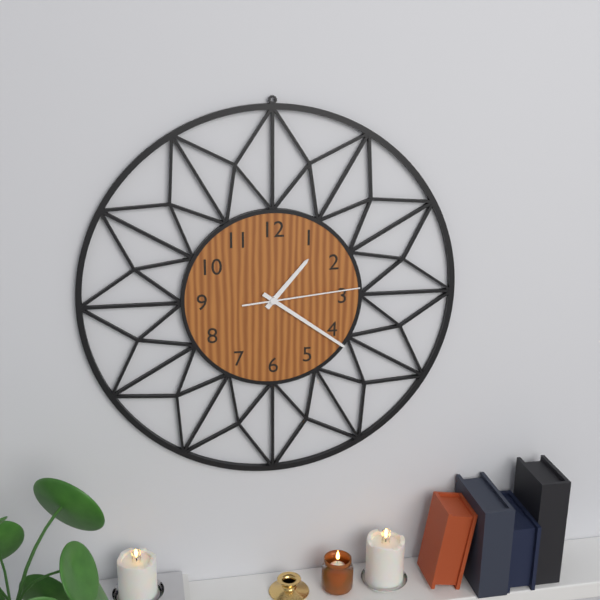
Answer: 1,21,14
